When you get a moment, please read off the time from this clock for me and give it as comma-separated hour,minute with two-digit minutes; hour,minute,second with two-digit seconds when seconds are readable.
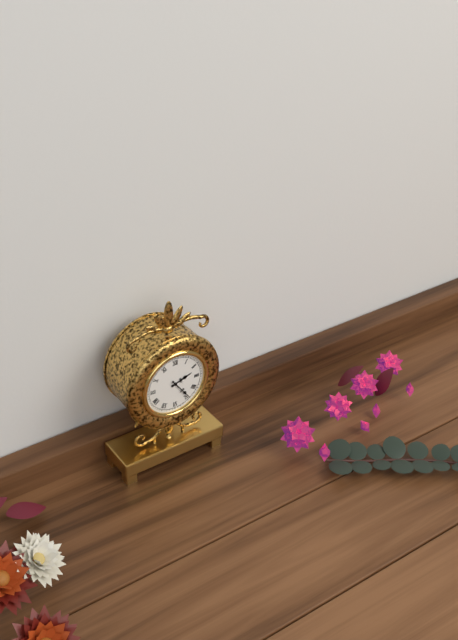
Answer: 2,24
